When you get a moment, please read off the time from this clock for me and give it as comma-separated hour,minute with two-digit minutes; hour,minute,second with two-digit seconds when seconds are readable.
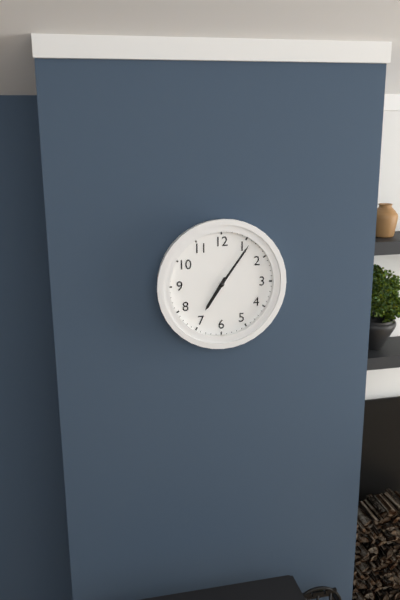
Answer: 7,06
